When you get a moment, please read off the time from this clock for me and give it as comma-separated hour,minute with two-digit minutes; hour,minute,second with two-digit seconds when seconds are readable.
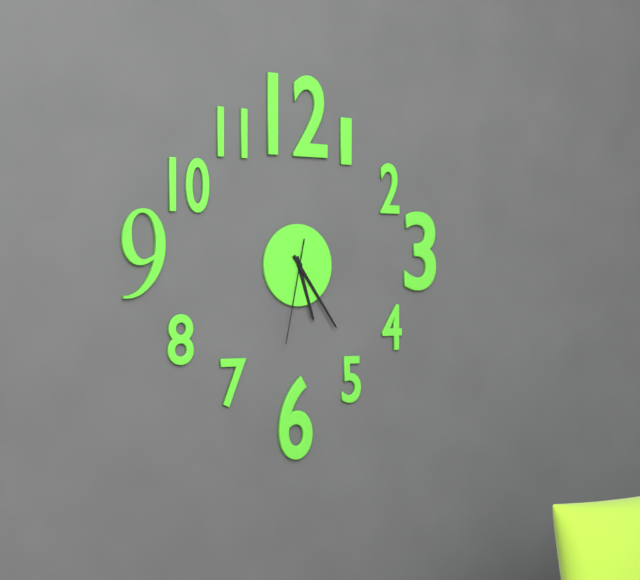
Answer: 5,24,32
